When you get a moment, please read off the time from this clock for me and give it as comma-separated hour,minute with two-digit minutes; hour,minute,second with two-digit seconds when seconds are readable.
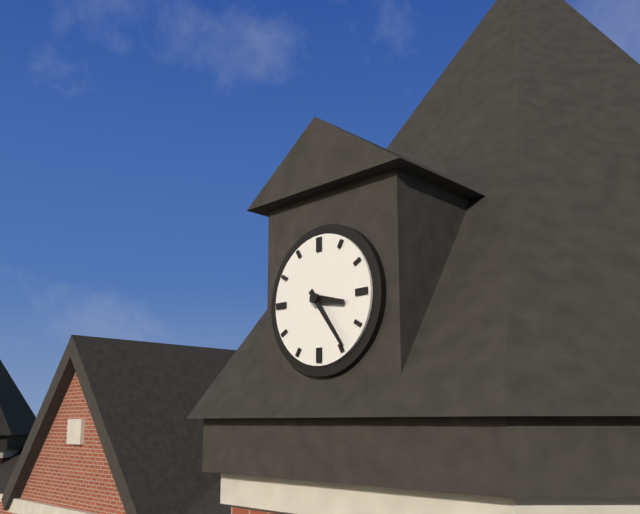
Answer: 3,24
